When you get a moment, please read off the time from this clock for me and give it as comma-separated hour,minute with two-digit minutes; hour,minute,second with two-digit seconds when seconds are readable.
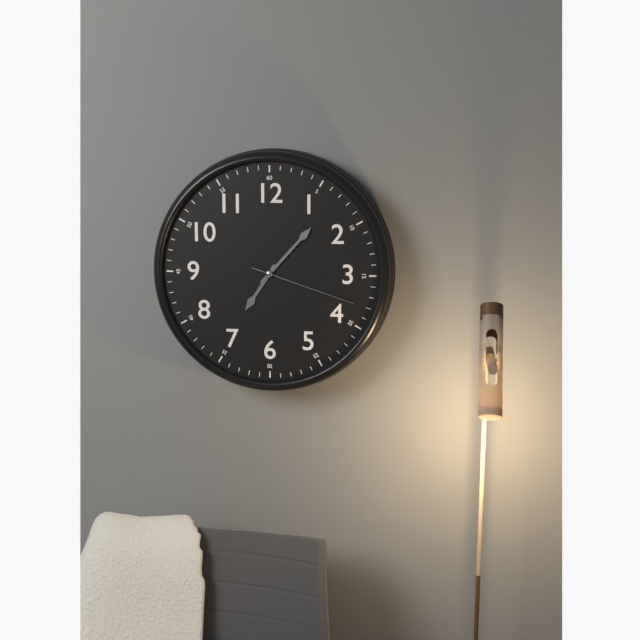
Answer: 7,07,18
